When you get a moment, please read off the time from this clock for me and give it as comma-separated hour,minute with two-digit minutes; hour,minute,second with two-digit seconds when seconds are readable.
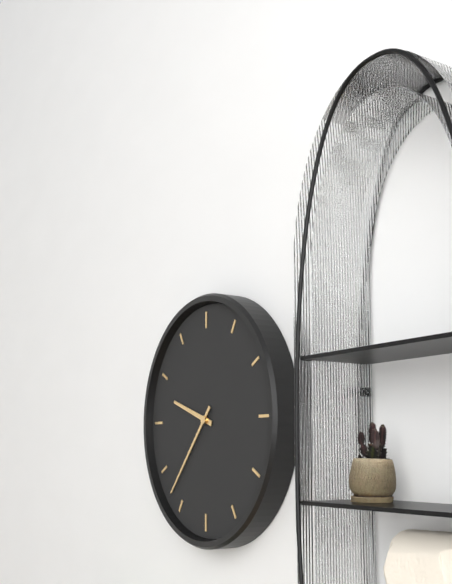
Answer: 9,37
